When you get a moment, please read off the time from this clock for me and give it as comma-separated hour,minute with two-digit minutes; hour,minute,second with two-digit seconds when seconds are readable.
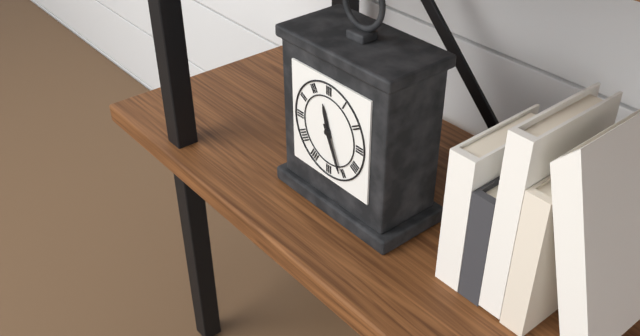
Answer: 11,26
